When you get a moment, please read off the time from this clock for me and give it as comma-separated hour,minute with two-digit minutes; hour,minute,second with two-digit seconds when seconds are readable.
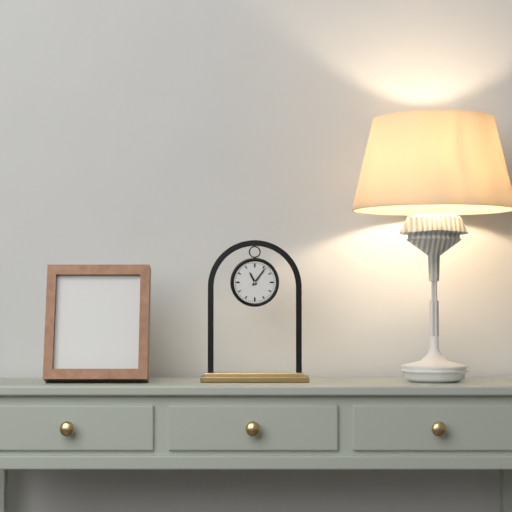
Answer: 11,06
